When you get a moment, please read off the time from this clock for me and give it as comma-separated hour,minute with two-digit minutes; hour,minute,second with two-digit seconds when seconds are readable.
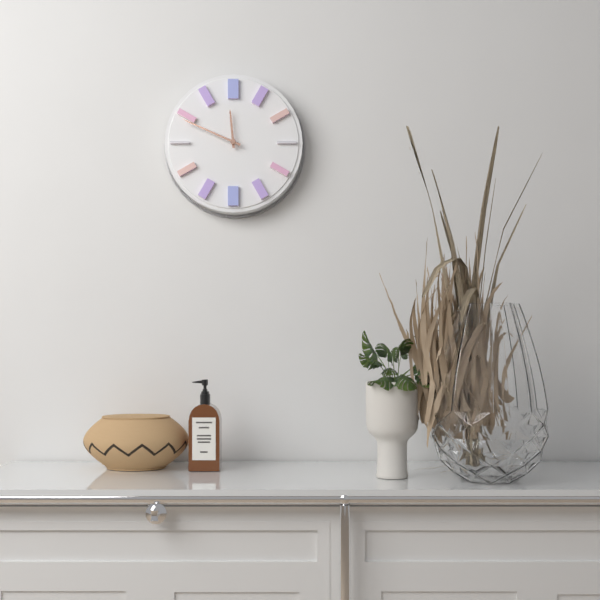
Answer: 11,49
